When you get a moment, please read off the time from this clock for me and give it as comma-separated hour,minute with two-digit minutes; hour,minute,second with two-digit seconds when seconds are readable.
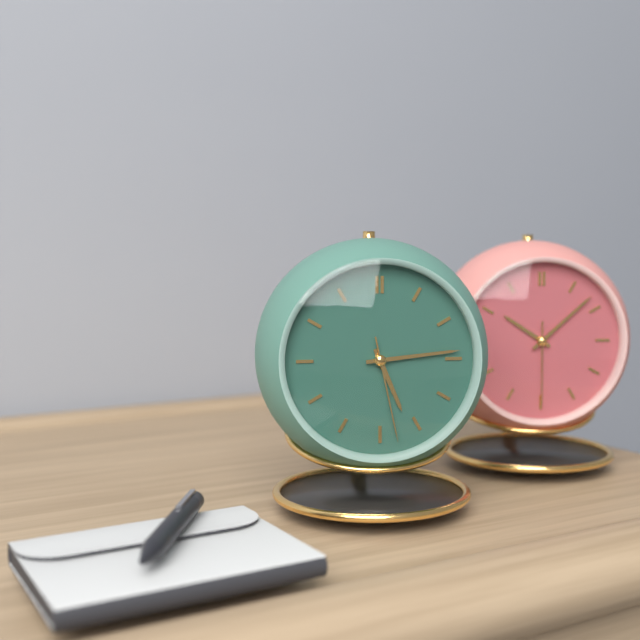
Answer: 5,14,28
